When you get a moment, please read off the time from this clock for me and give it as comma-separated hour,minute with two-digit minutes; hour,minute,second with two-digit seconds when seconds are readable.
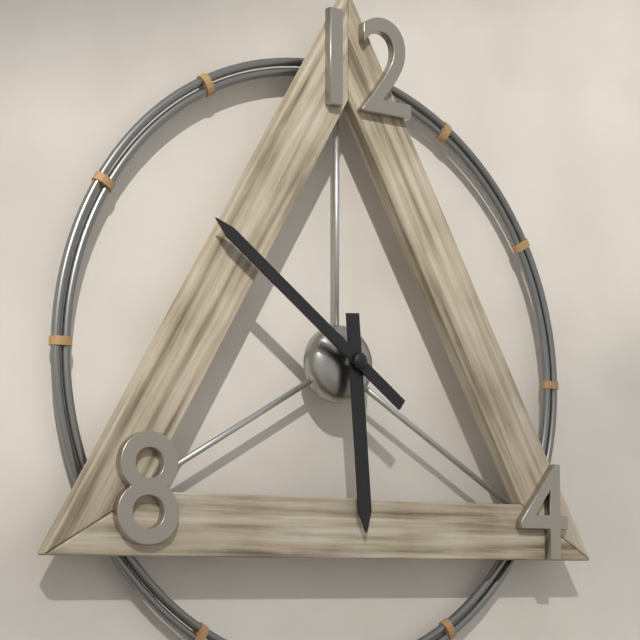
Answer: 5,51
